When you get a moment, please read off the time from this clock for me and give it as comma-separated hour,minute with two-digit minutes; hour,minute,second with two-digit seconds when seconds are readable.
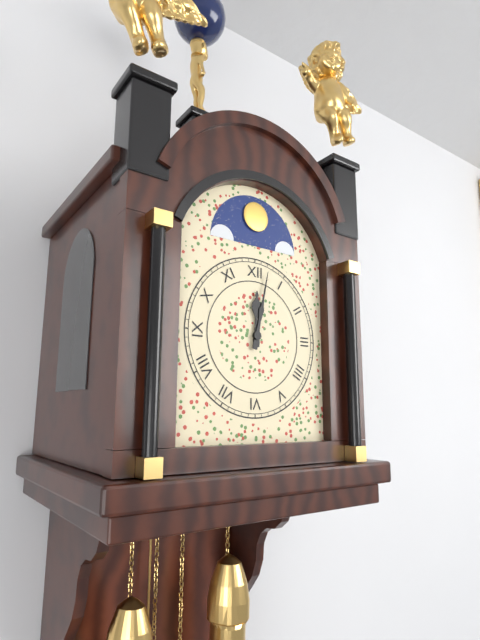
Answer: 12,02
